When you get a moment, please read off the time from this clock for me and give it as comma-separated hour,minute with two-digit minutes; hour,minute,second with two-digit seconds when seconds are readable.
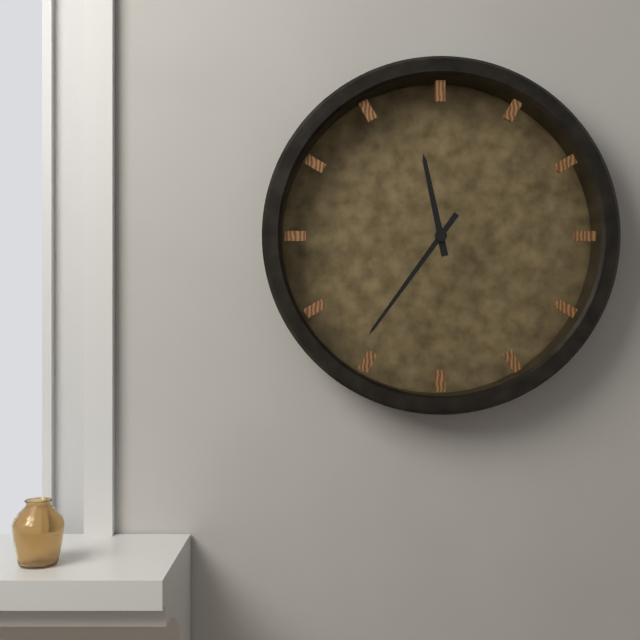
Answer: 11,36
